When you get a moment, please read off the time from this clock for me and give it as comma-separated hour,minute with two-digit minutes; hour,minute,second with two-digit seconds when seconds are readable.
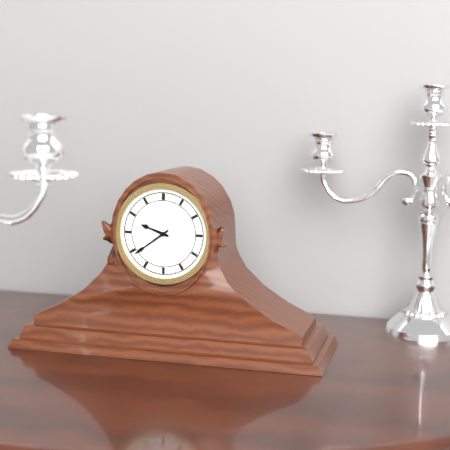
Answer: 9,39
